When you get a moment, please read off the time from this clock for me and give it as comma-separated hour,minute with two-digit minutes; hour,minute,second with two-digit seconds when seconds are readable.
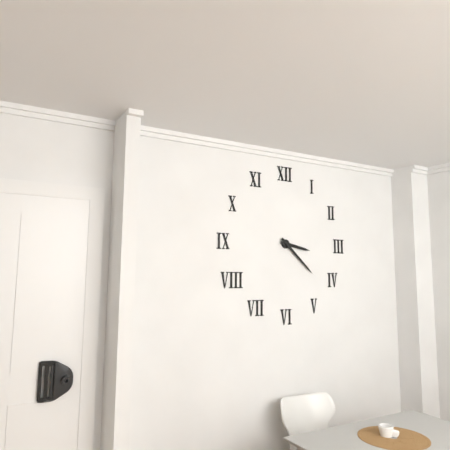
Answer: 3,22
